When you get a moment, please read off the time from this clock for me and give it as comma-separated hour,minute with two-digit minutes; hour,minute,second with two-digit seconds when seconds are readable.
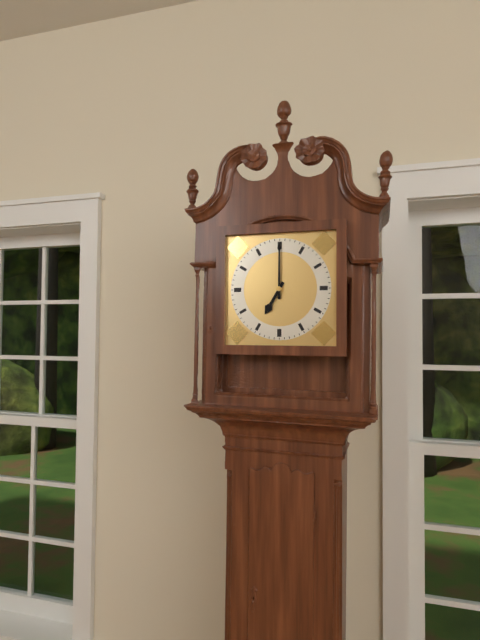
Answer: 7,00
